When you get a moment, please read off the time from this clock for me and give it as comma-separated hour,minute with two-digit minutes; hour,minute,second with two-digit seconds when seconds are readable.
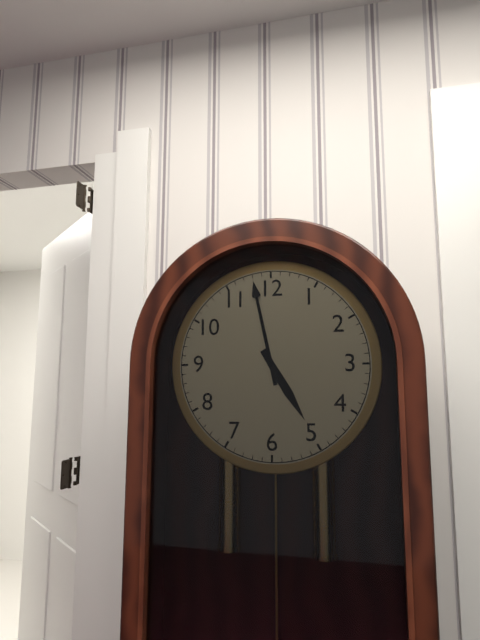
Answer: 4,58
